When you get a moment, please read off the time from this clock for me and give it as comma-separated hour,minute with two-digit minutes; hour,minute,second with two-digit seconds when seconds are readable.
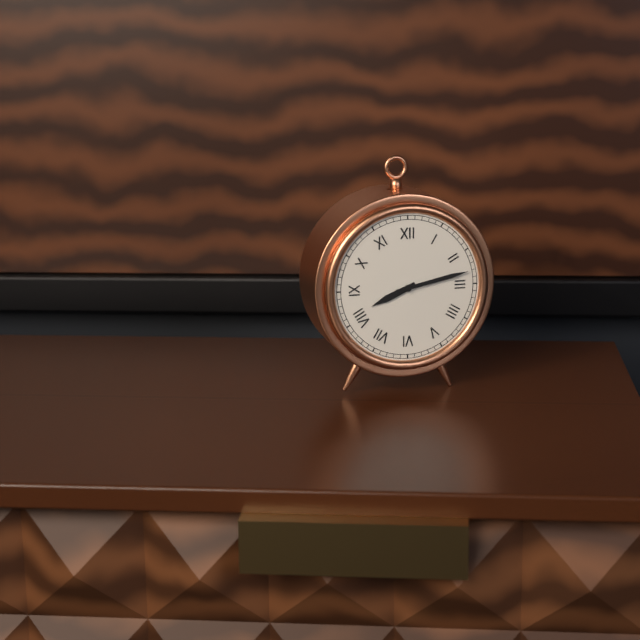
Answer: 8,13
